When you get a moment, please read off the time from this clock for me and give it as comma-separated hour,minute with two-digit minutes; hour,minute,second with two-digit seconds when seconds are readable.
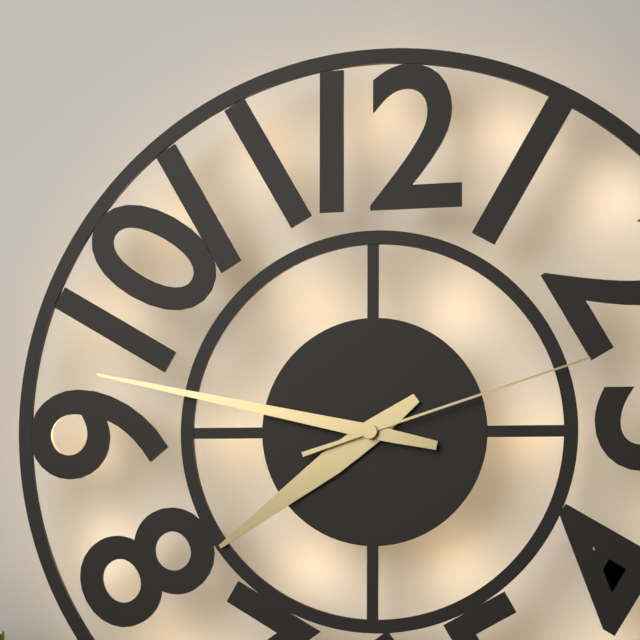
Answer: 7,47,12
